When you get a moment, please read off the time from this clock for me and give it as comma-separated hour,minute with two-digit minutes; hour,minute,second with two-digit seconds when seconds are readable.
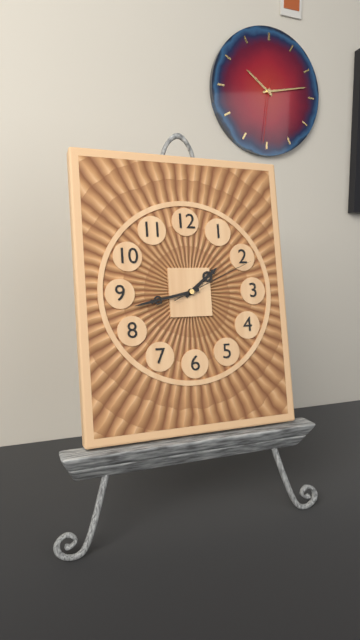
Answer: 1,43,11
